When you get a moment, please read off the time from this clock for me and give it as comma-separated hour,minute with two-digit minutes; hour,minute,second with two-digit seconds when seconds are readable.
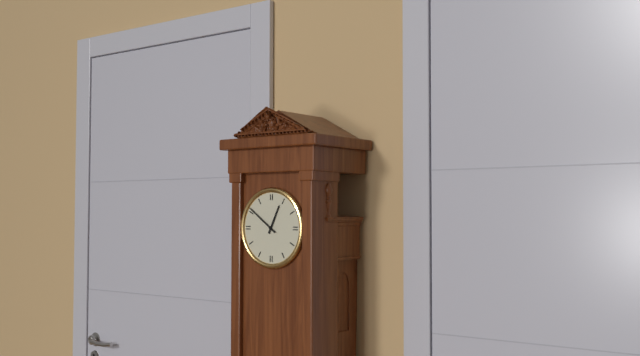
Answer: 12,51
